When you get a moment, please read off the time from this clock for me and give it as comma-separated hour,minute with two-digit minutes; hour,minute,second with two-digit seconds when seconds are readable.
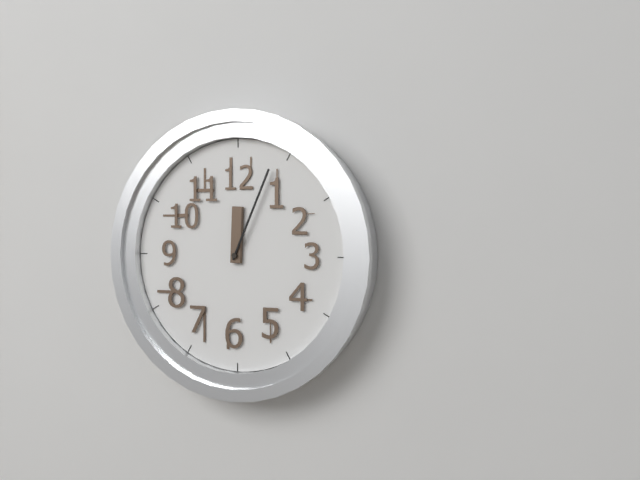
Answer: 12,04
